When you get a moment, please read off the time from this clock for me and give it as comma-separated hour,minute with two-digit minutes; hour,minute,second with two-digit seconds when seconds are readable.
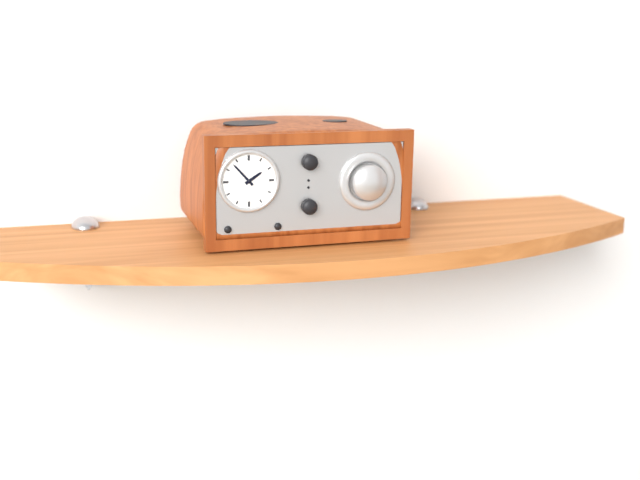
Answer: 1,53
